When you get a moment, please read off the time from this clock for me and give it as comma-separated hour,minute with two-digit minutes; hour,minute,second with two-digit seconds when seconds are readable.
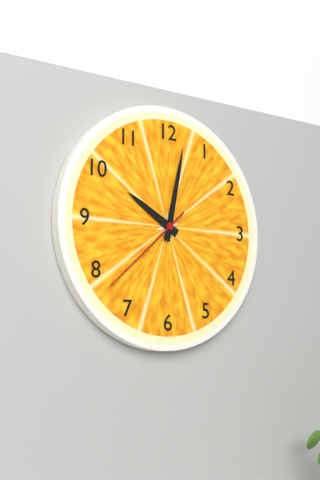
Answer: 10,02,38
